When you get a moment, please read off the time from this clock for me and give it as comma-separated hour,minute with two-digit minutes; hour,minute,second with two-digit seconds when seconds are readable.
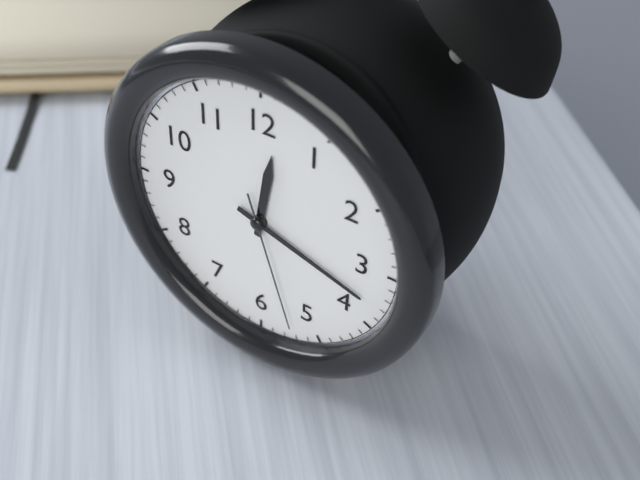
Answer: 12,18,27
